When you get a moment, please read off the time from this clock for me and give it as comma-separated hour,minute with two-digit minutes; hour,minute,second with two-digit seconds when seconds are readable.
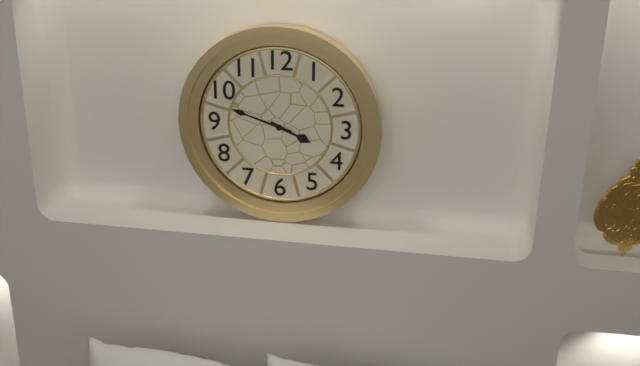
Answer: 3,48
